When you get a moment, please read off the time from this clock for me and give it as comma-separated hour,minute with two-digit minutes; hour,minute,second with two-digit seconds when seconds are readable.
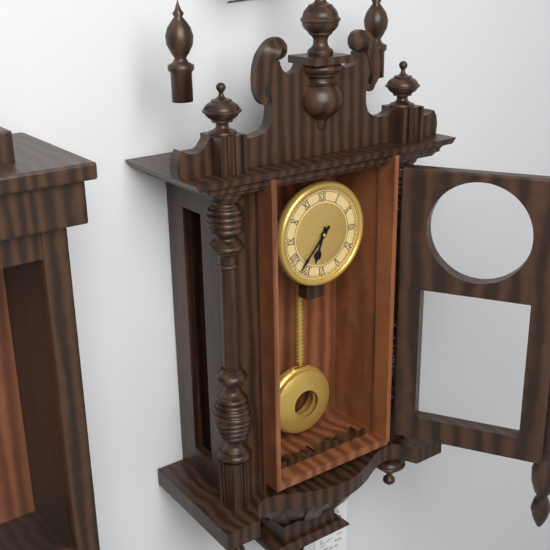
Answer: 6,37
